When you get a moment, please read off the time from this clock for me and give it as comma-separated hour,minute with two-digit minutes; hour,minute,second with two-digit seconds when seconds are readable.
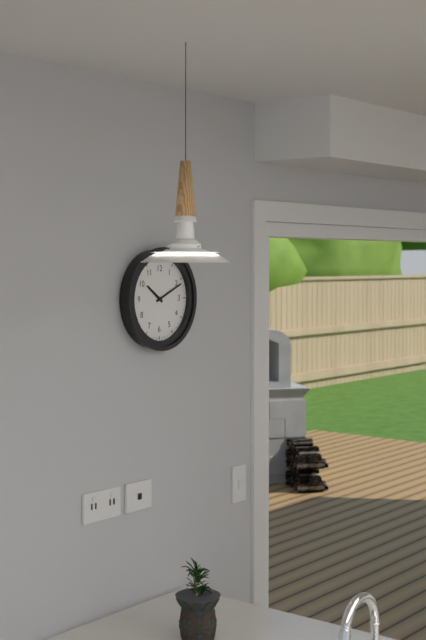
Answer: 10,11
